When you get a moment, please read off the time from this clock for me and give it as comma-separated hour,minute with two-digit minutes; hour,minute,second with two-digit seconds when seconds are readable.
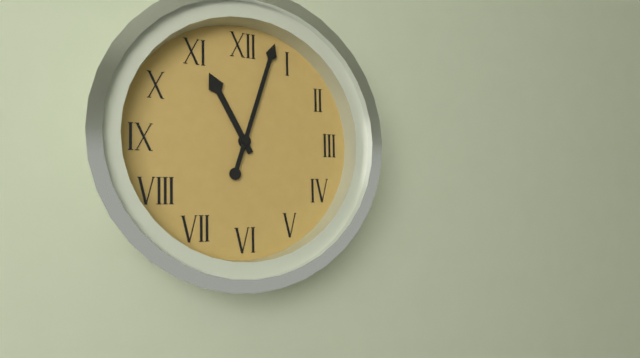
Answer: 11,03
